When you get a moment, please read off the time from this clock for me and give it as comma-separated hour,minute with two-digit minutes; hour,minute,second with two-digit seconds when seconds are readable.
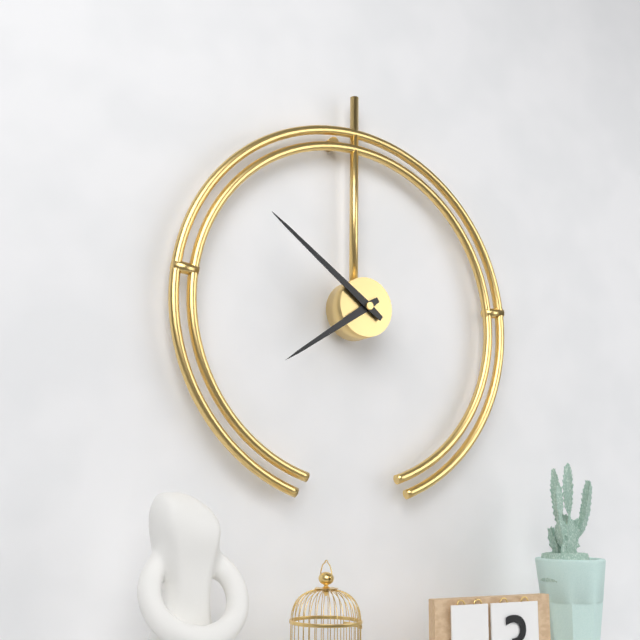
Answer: 7,51
